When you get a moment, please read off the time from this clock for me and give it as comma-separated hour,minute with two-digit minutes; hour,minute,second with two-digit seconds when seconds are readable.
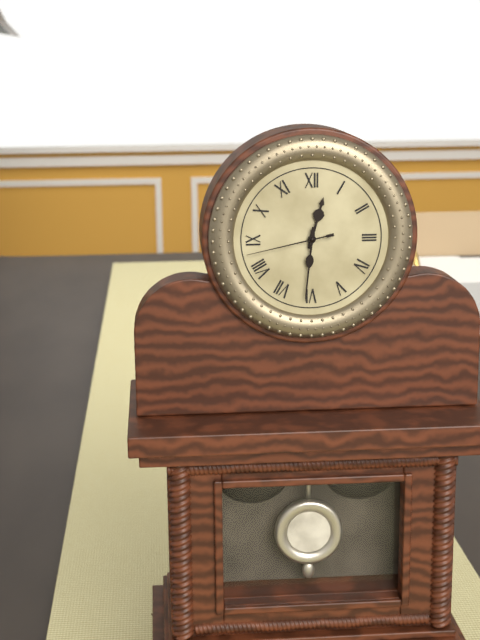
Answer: 12,31,43
